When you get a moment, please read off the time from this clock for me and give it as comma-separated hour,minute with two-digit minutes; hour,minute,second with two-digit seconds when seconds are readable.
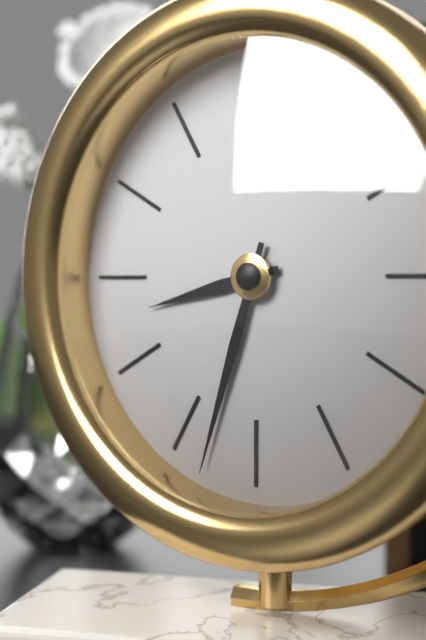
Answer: 8,33
